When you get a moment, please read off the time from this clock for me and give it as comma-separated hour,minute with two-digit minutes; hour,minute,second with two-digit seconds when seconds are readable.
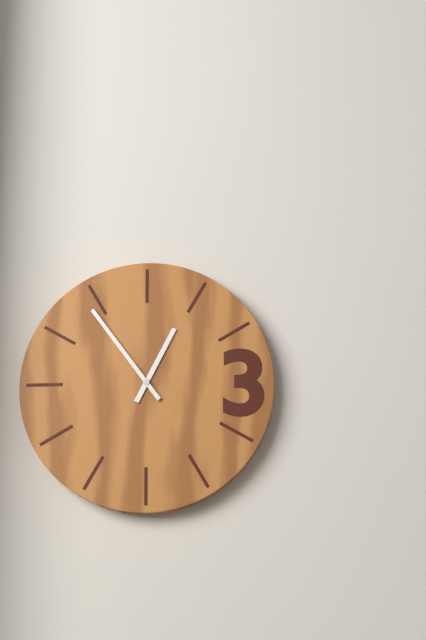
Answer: 12,54
